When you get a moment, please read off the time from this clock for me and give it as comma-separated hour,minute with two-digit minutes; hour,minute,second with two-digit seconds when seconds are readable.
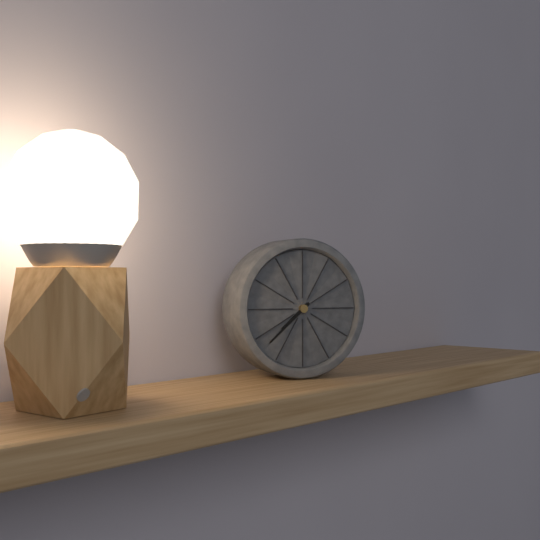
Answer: 7,38
